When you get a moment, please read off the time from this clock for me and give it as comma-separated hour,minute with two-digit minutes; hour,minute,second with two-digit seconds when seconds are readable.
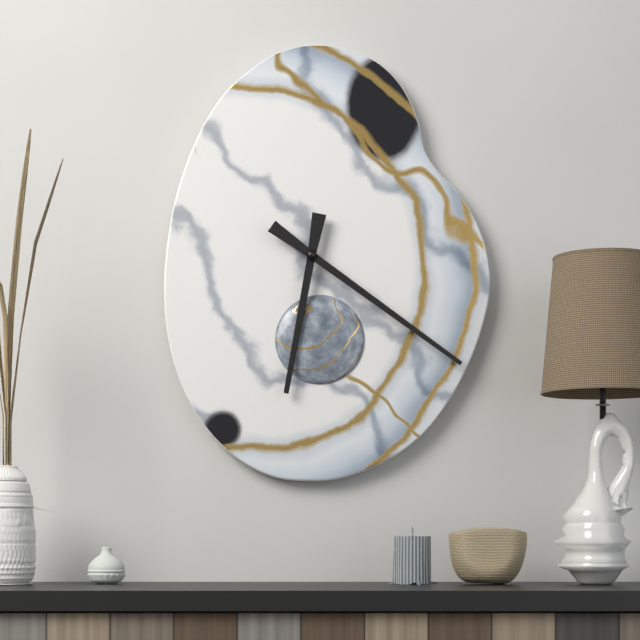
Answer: 6,21
